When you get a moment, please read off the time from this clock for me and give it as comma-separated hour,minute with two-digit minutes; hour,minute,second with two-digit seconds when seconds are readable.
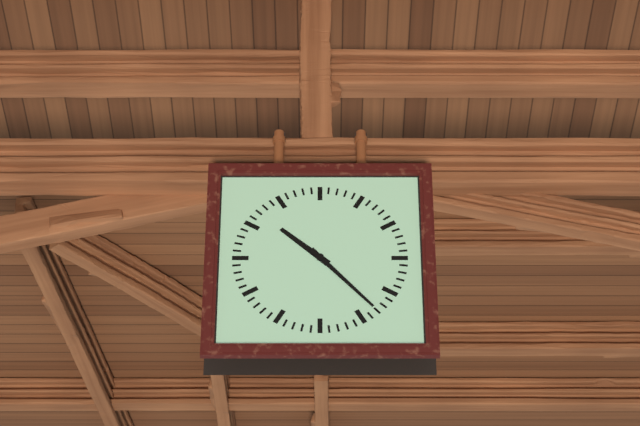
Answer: 10,23
